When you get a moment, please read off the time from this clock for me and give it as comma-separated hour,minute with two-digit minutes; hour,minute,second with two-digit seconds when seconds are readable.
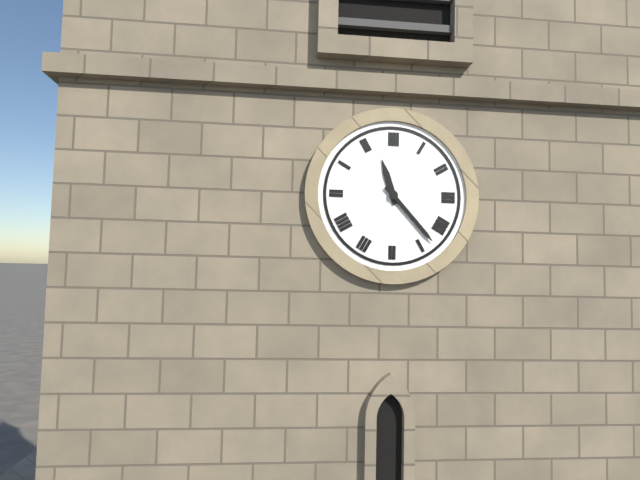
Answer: 11,23
